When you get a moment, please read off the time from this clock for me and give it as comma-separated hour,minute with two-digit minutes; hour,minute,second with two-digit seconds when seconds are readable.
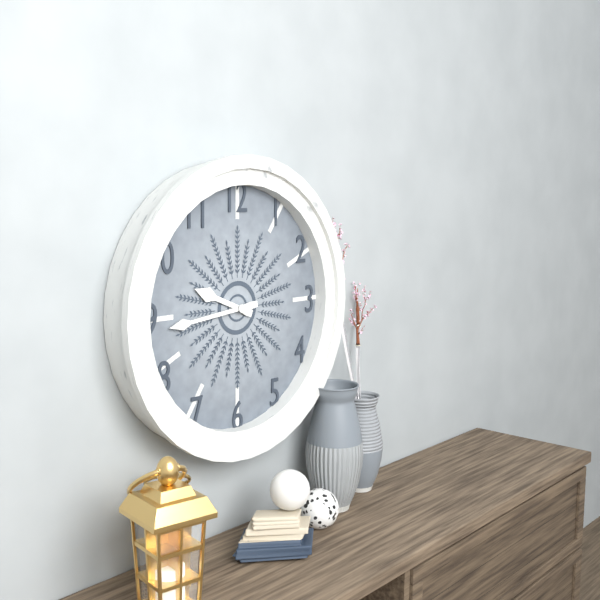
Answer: 9,44
